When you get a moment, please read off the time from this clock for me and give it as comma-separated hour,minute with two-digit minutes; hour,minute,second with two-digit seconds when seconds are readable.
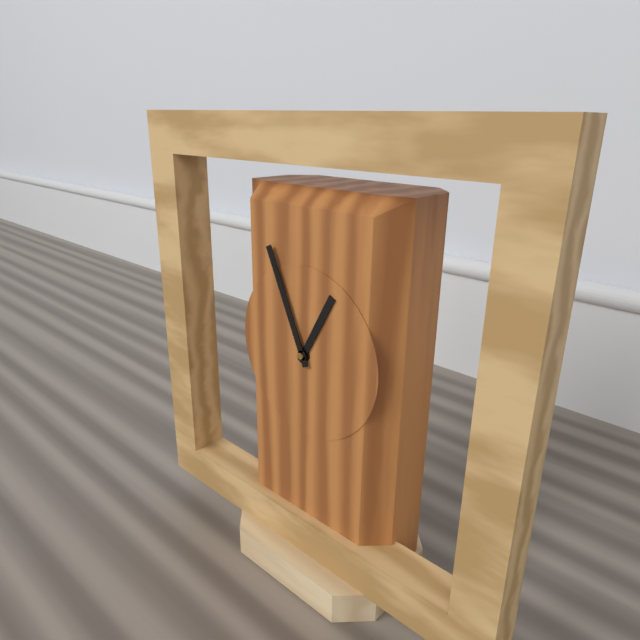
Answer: 12,56
